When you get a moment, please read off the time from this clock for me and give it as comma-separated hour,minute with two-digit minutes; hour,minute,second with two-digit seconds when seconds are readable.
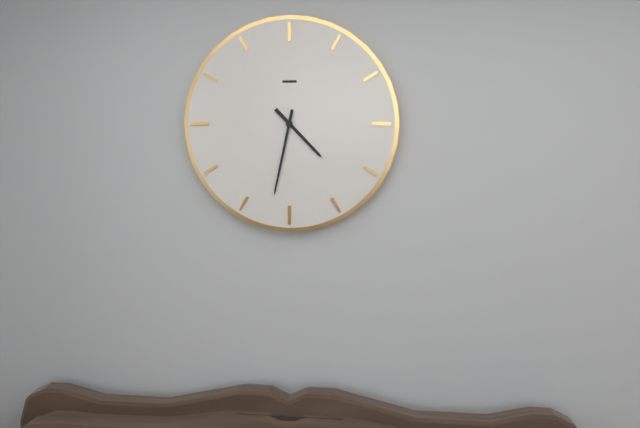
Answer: 4,32
